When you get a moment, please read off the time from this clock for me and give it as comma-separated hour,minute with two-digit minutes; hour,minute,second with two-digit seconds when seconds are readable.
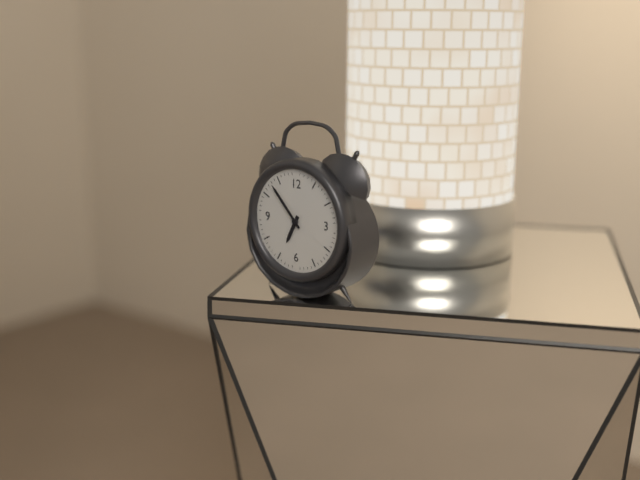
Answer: 6,53
